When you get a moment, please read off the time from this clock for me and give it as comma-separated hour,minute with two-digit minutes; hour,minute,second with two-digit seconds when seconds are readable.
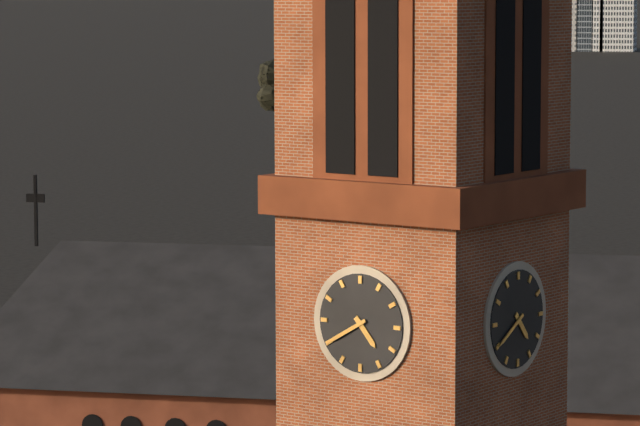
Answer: 4,40
